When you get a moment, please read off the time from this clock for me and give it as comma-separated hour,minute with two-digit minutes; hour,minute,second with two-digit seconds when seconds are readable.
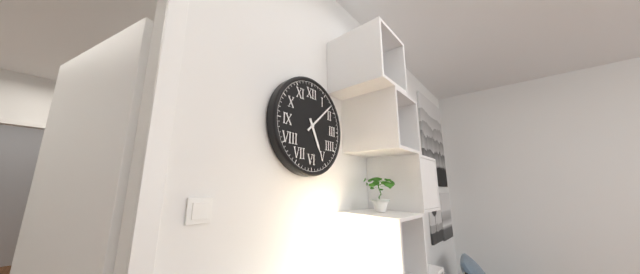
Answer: 5,08
